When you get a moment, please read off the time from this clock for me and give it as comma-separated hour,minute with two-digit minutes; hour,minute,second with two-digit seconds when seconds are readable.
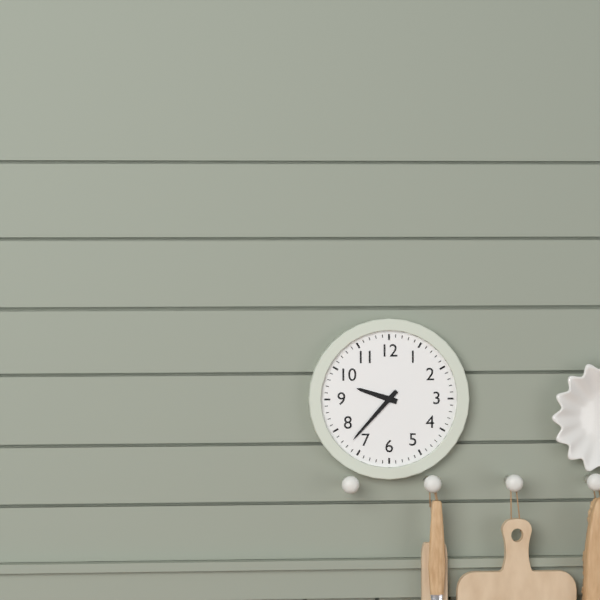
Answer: 9,37
